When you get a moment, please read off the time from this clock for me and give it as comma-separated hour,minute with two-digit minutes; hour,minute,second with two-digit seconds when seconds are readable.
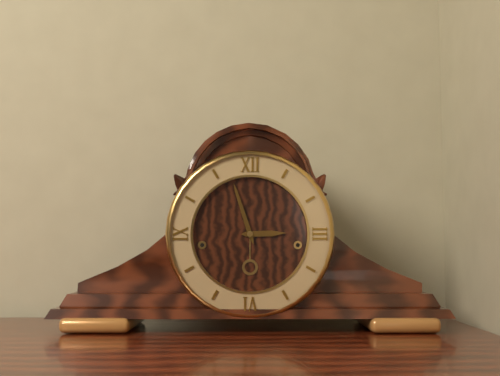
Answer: 2,57
